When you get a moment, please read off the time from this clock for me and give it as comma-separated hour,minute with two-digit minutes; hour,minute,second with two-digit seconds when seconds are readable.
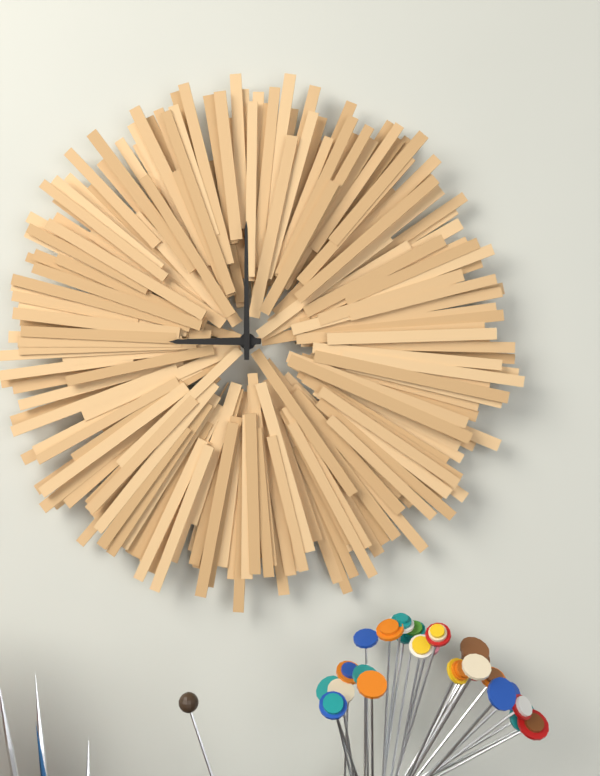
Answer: 9,00
